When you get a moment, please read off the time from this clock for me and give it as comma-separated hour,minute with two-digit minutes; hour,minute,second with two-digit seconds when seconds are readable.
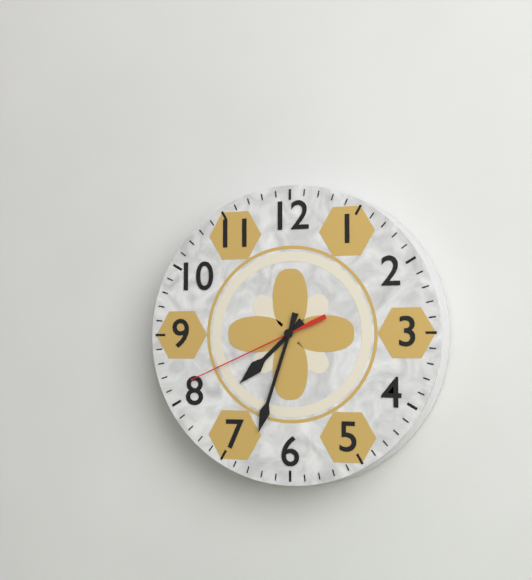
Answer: 7,33,41
